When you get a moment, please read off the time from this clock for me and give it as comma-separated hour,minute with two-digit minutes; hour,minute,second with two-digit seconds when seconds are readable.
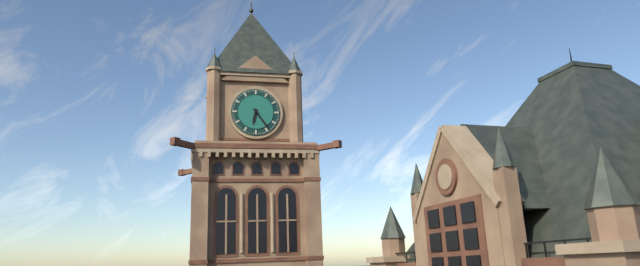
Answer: 6,24
